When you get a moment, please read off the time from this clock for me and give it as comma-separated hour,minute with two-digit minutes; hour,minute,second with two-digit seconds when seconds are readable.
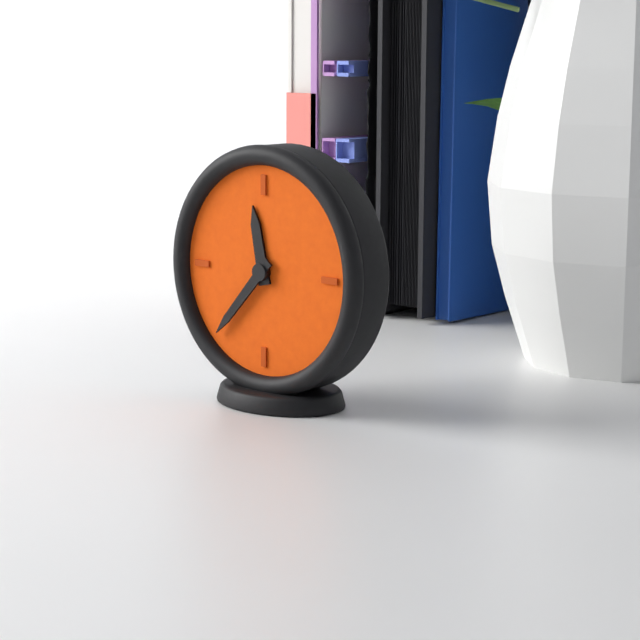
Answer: 11,37
